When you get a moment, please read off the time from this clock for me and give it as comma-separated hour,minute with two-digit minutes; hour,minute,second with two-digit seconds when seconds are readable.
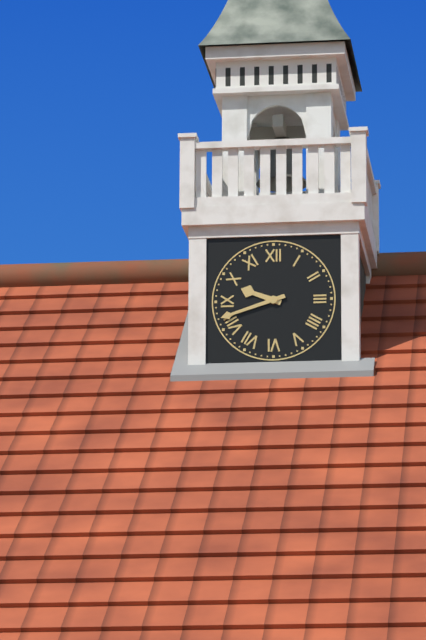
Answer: 9,42
